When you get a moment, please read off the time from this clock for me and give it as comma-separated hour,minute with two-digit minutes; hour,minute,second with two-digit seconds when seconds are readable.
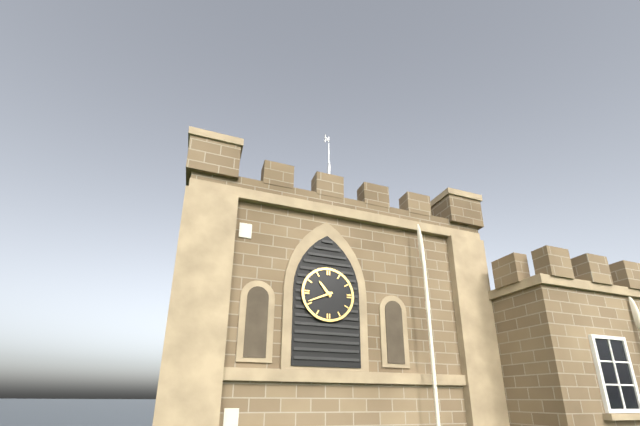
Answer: 10,41
